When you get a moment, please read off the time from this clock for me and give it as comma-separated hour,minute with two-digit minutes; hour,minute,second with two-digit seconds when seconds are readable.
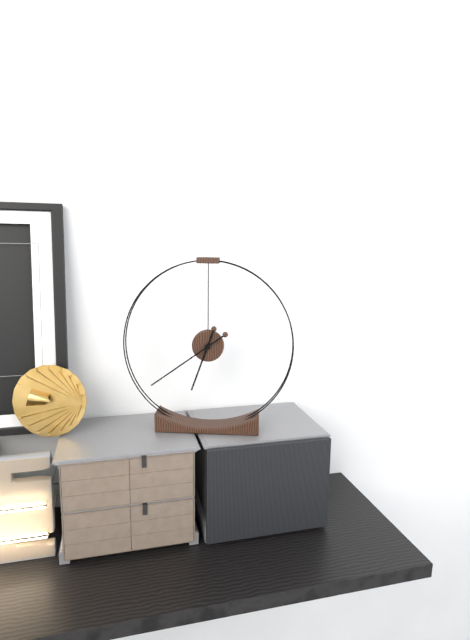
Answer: 6,39
